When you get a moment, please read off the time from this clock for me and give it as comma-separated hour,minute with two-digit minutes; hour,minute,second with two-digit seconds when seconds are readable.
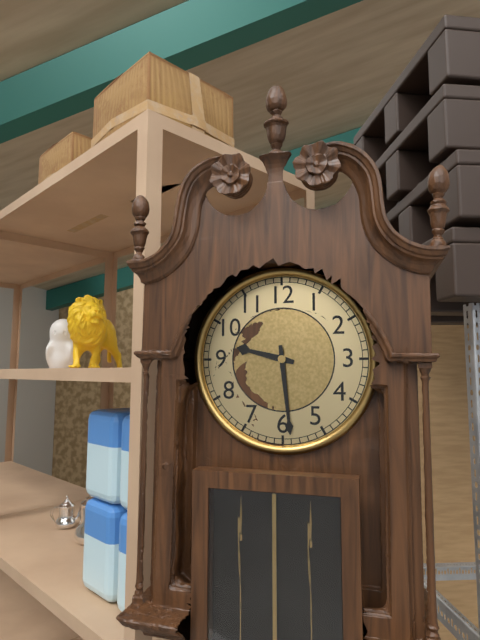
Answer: 9,29
